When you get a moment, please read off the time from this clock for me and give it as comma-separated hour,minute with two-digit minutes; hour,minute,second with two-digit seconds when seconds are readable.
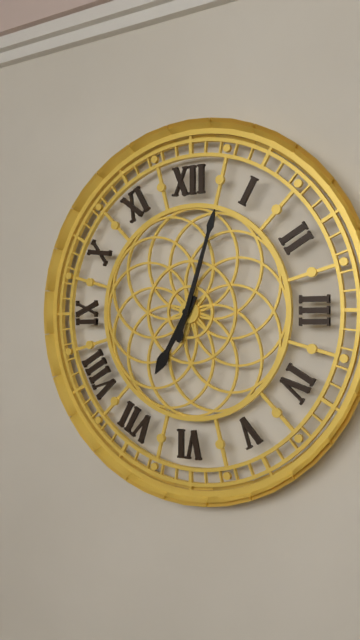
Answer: 7,03
